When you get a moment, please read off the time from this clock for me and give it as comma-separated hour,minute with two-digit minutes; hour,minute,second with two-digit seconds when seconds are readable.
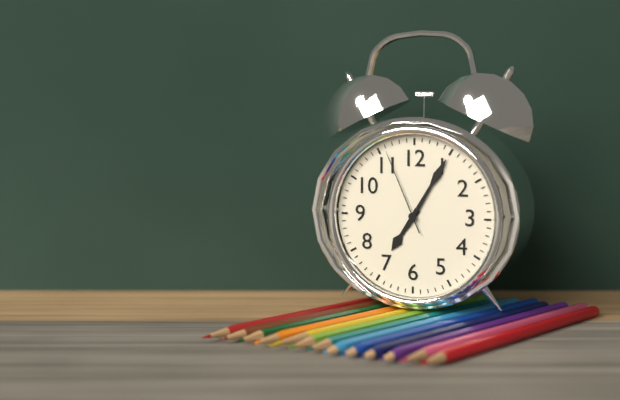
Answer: 7,05,56
